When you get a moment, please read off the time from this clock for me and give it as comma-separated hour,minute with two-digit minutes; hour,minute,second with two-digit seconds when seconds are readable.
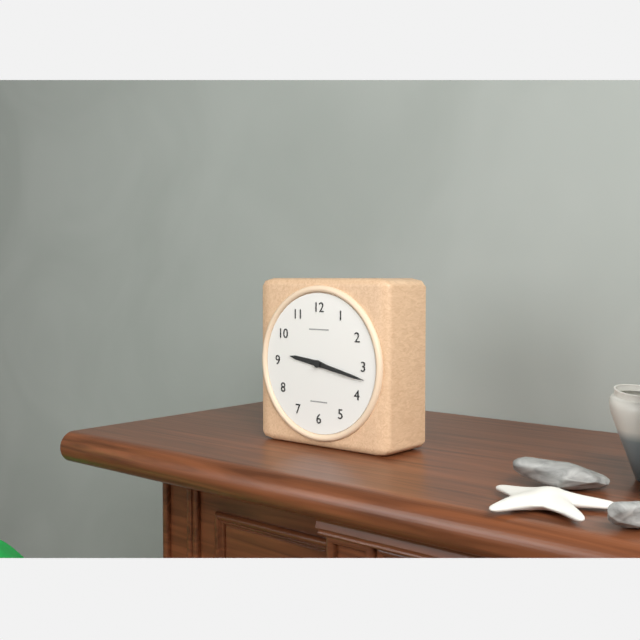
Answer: 9,17
